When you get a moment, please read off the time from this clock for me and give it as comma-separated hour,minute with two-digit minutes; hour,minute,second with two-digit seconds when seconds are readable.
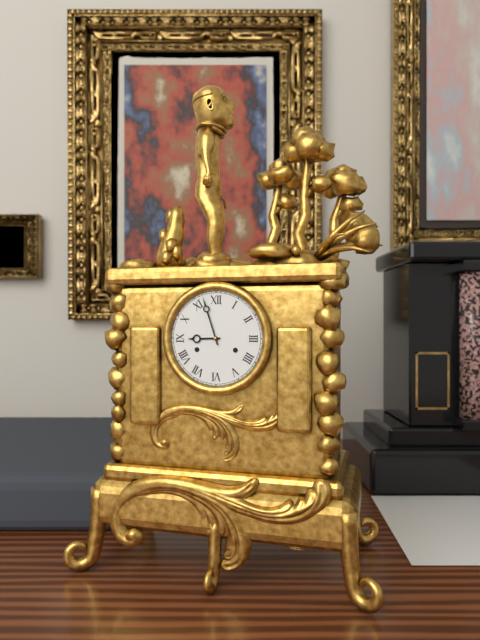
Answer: 8,57
